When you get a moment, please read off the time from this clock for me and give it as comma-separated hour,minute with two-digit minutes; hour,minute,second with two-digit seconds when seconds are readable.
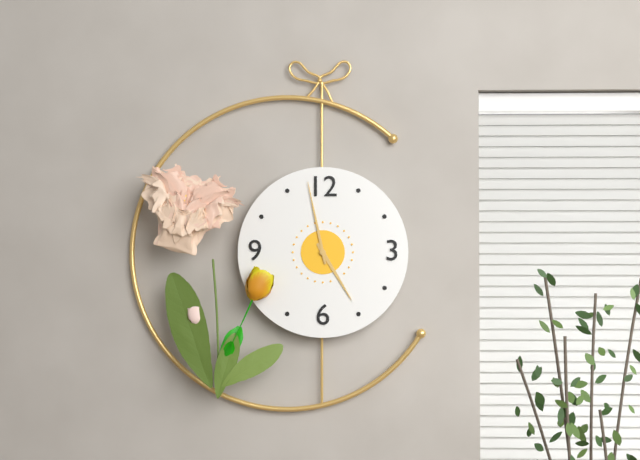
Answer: 4,58
